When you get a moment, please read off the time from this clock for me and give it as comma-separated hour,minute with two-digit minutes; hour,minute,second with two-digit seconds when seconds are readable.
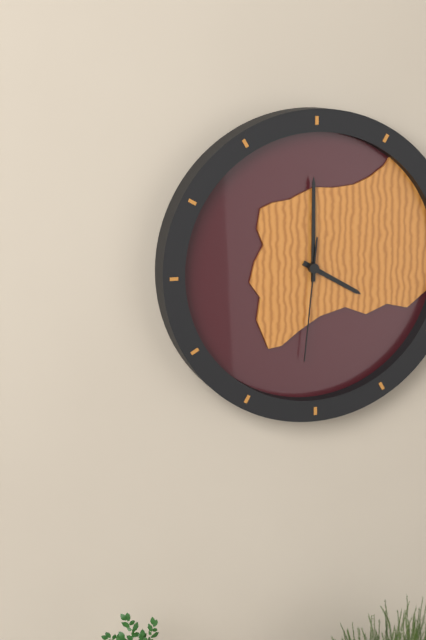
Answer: 4,00,31
